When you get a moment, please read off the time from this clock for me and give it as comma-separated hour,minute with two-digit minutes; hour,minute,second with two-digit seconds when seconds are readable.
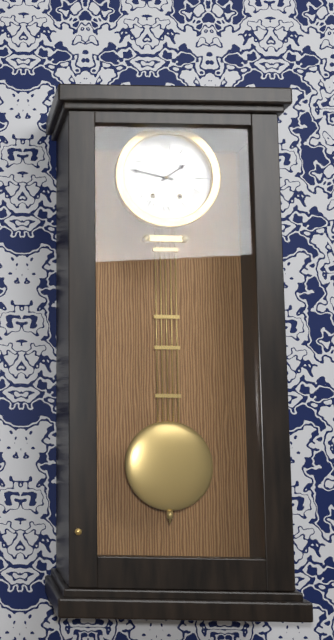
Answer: 1,47
